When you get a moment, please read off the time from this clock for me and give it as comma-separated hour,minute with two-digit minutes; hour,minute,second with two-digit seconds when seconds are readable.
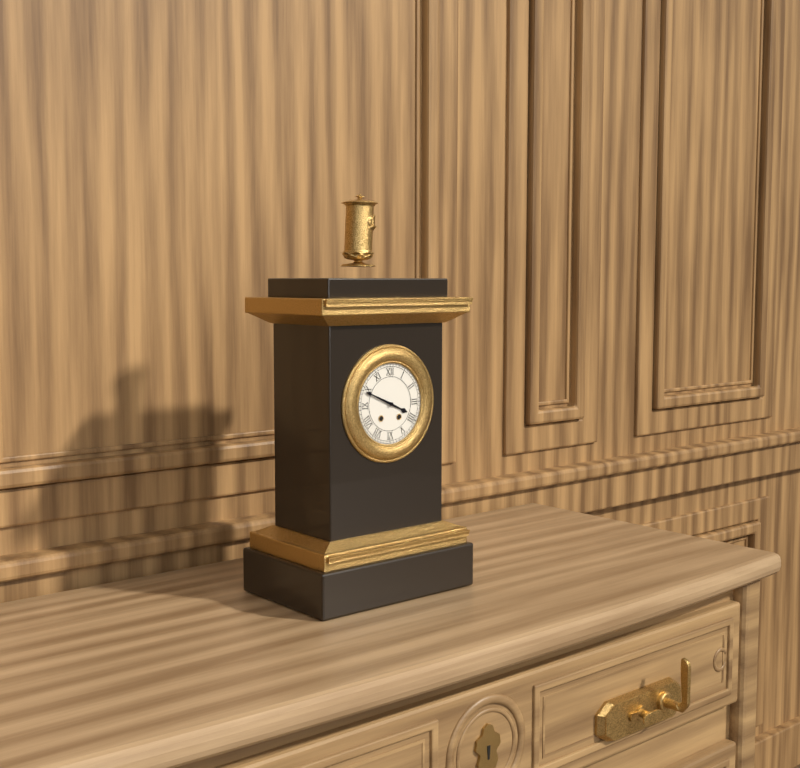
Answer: 3,49
